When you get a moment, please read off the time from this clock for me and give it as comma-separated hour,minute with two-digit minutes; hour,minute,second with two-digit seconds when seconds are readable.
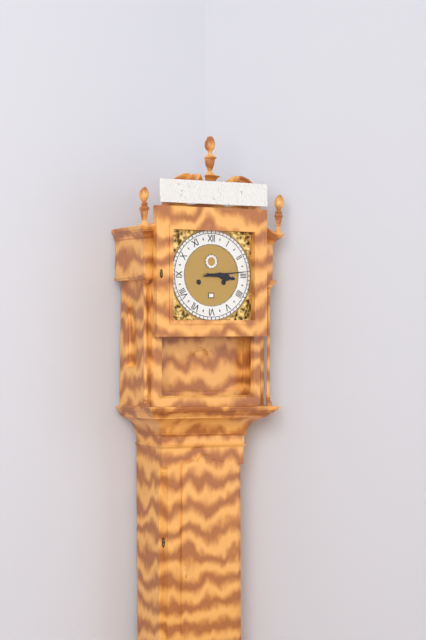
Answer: 3,14
